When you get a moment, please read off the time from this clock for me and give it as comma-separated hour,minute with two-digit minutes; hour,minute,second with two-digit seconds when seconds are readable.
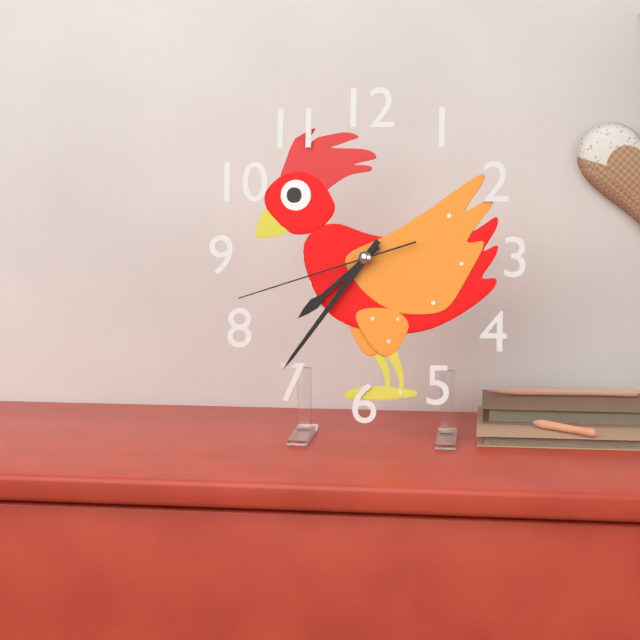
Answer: 7,36,42
